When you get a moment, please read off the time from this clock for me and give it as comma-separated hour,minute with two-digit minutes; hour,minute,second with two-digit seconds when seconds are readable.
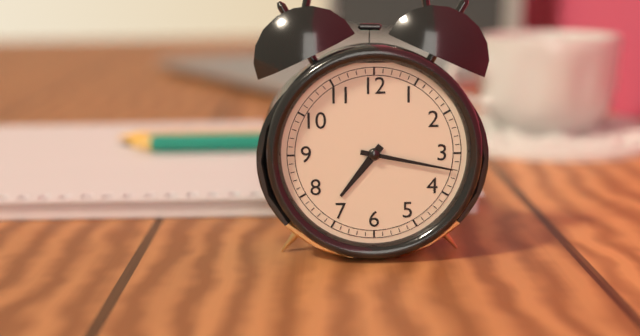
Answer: 7,17
